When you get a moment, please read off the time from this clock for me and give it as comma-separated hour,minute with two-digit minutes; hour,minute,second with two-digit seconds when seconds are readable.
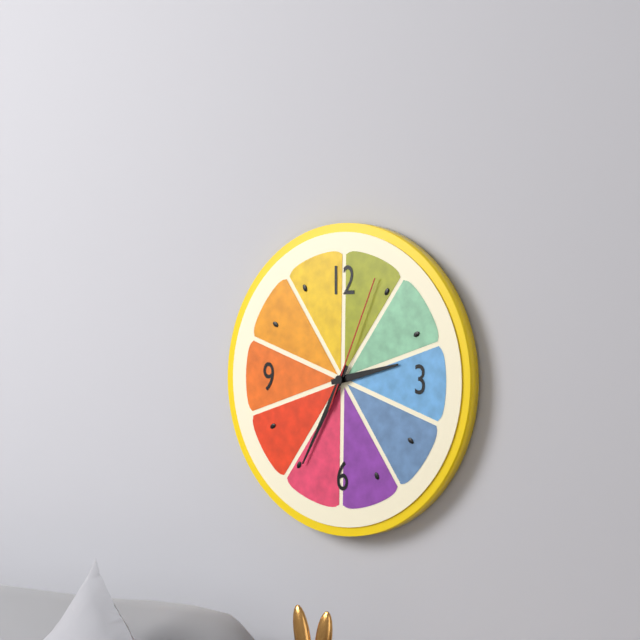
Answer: 2,35,04
